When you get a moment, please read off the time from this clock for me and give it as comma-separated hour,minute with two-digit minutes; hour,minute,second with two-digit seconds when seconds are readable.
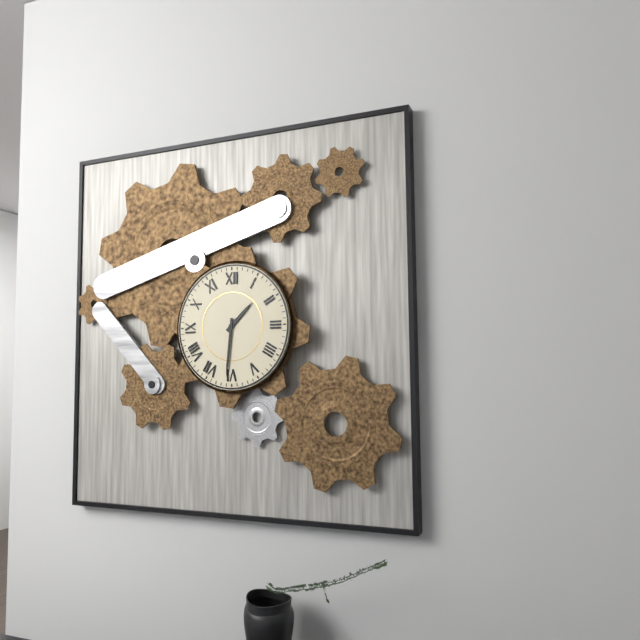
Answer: 1,31
